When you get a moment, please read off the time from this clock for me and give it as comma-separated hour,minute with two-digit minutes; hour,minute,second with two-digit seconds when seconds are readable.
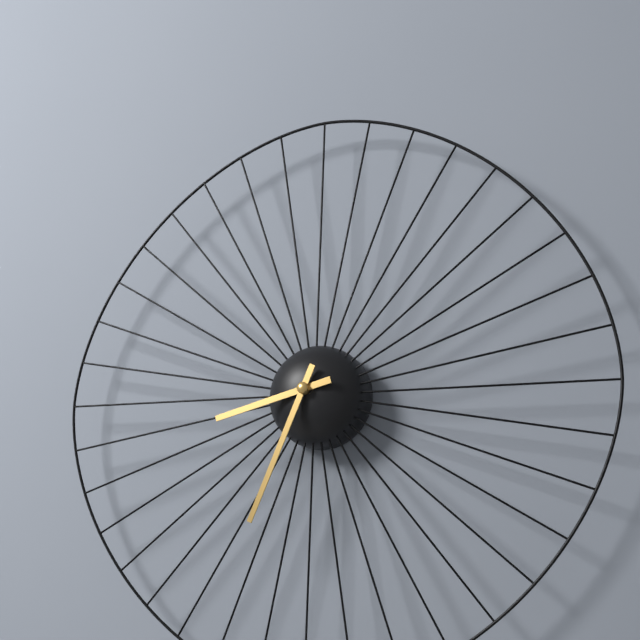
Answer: 8,34
